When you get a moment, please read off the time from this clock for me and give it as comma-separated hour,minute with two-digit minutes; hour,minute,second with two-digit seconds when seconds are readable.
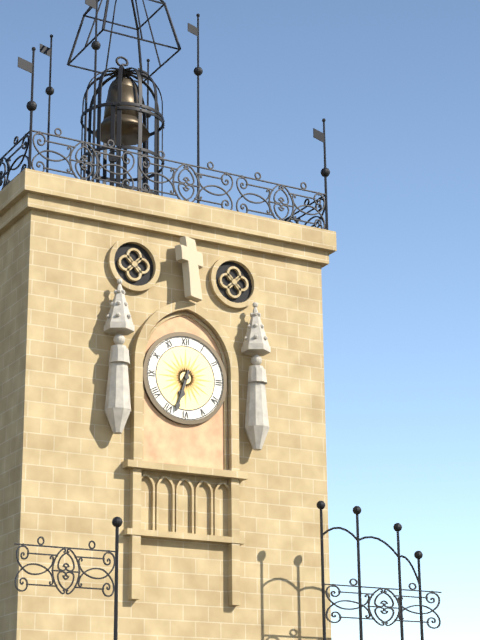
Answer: 6,33
